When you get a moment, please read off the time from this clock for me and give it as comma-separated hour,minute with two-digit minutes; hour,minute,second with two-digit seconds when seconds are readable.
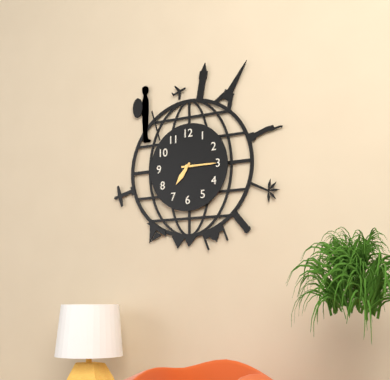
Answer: 7,15
